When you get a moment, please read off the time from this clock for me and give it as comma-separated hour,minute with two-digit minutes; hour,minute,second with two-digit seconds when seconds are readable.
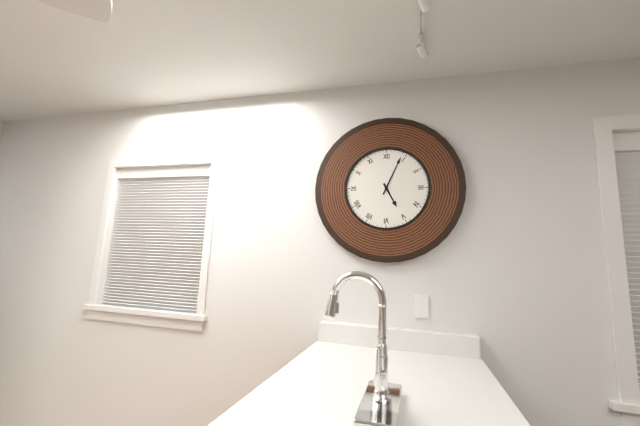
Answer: 5,04
